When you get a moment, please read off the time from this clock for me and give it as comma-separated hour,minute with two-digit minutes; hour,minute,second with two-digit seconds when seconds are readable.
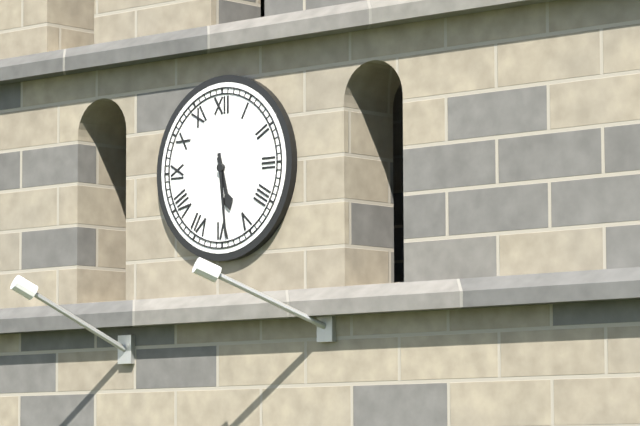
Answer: 5,29
